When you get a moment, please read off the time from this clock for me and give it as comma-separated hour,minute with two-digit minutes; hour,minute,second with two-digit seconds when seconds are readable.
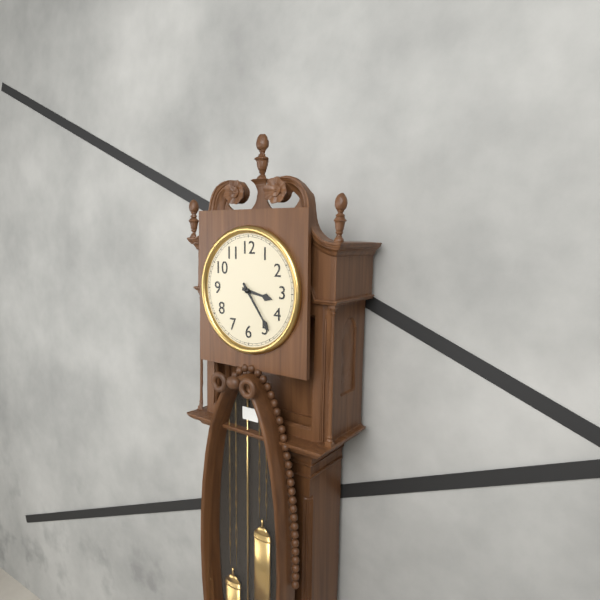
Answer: 3,24
